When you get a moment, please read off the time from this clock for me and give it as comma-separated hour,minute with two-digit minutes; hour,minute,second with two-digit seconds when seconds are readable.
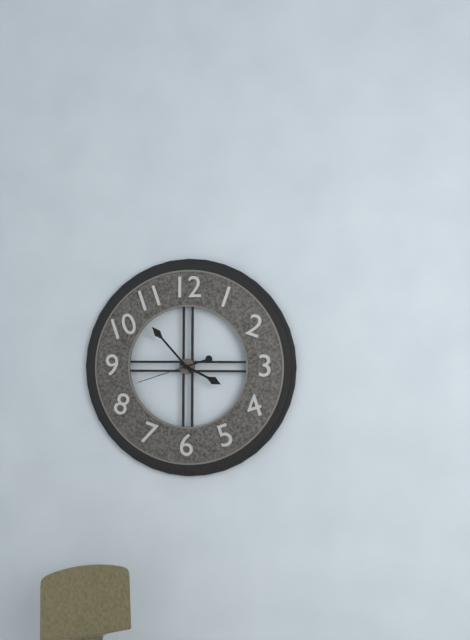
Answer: 3,53,42
